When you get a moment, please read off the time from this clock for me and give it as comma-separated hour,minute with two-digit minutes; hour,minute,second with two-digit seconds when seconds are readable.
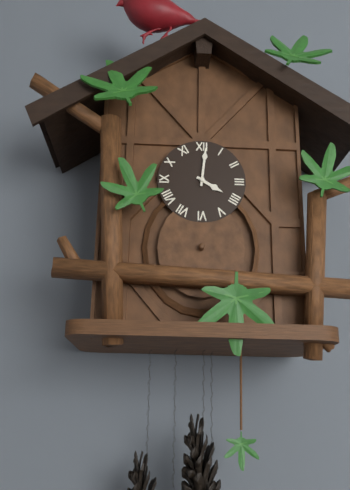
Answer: 4,01
